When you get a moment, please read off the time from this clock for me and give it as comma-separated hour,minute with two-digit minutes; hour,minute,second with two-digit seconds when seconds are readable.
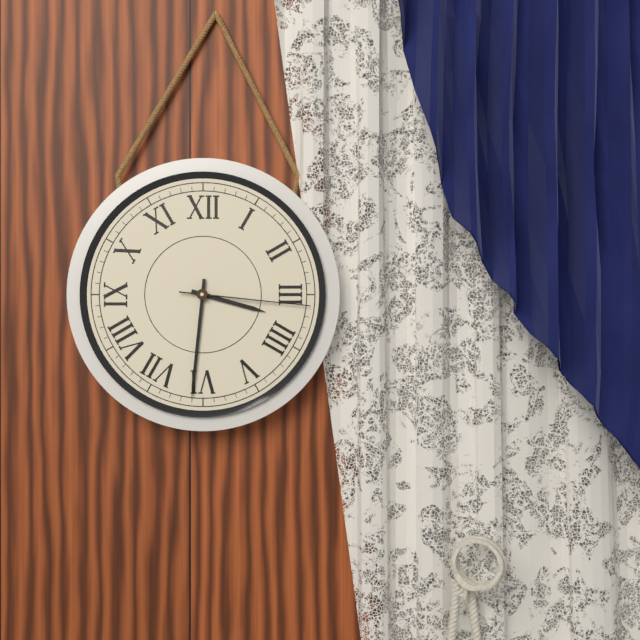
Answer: 3,31,16
